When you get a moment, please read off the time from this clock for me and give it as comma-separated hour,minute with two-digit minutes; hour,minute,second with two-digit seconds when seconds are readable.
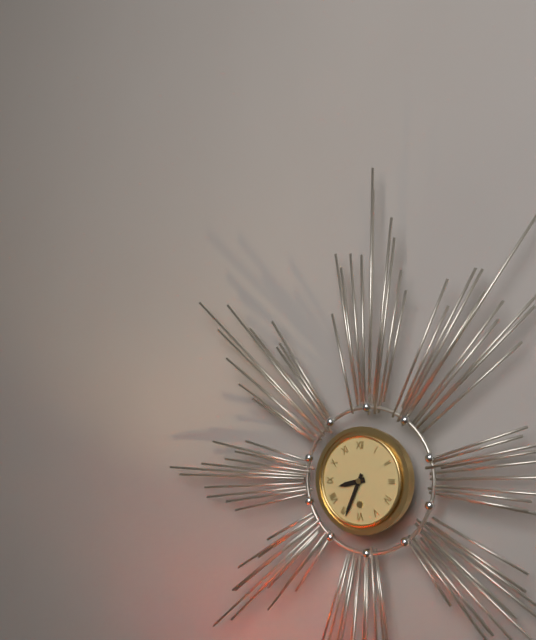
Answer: 8,34
